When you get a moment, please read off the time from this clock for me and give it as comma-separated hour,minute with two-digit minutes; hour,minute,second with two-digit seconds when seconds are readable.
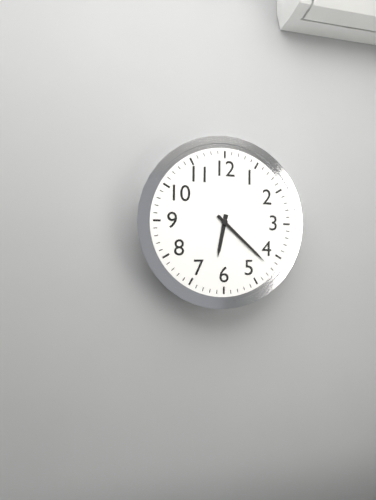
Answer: 6,22
